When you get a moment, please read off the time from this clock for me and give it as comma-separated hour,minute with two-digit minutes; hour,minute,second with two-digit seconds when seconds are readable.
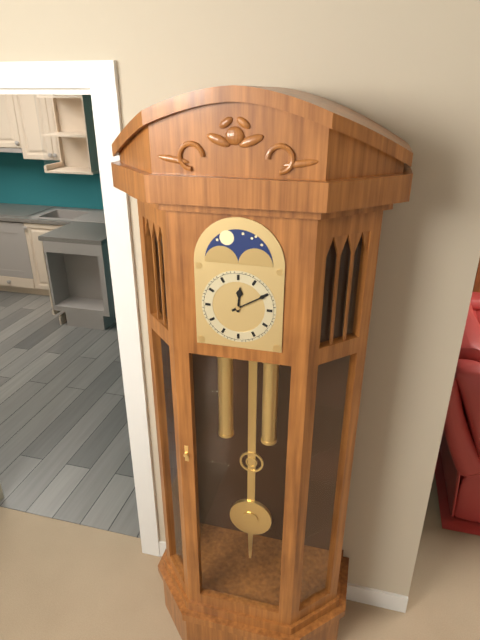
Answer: 12,10
